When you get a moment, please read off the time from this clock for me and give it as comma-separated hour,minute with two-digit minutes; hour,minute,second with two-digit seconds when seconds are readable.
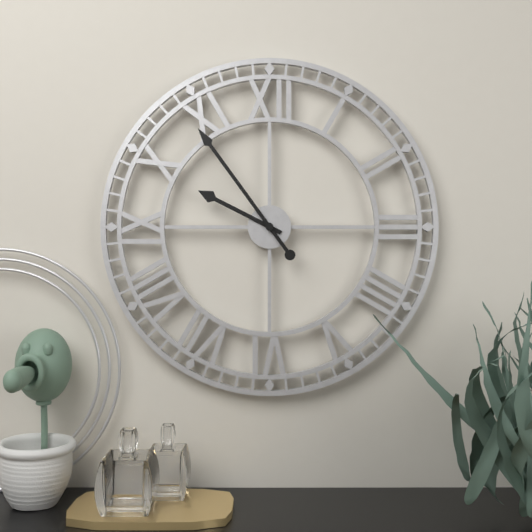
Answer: 9,54
